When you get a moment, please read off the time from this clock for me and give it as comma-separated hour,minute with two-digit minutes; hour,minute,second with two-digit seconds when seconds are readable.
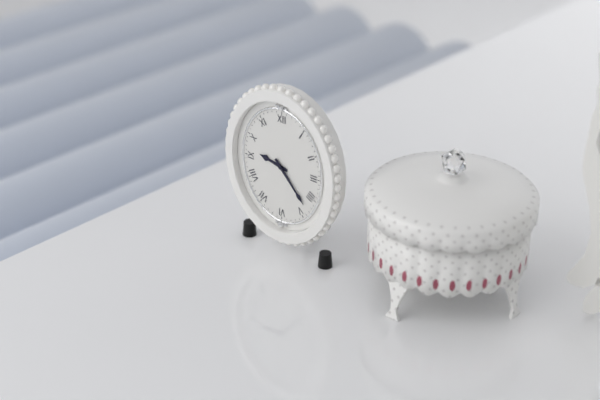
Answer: 9,23
